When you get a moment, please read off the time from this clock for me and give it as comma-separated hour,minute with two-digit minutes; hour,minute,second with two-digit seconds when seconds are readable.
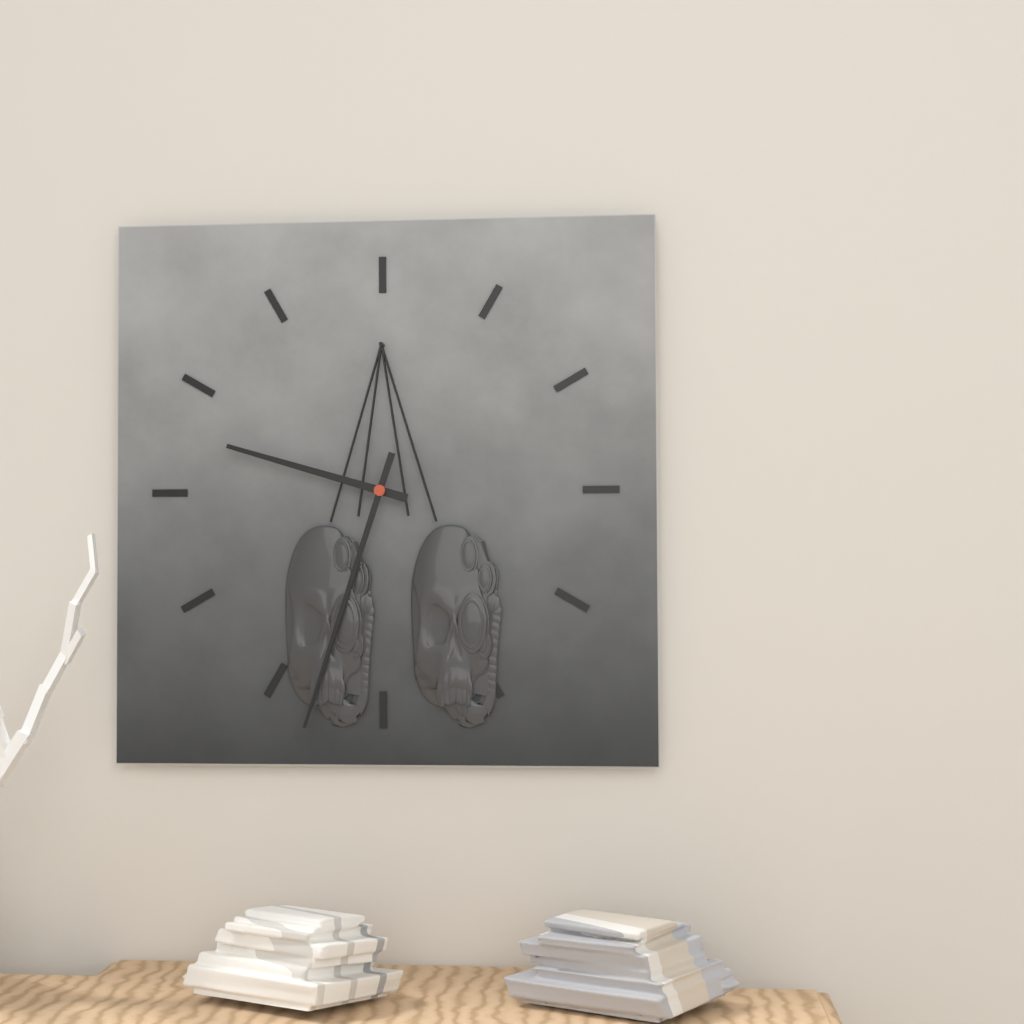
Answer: 9,33
